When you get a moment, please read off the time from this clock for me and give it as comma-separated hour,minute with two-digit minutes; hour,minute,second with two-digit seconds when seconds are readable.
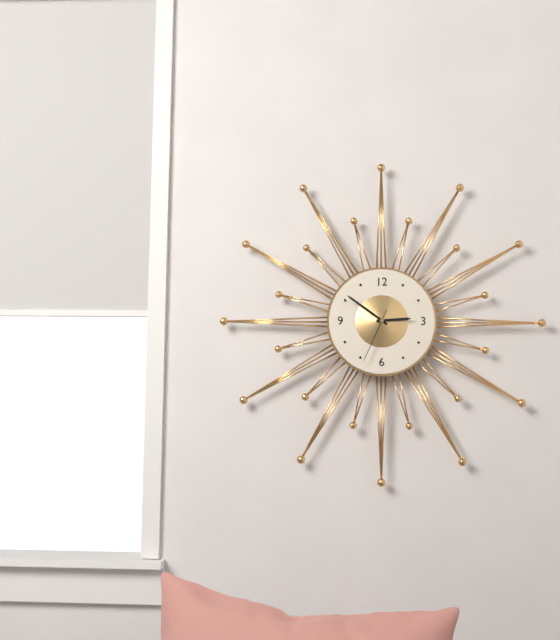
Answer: 2,51,34
